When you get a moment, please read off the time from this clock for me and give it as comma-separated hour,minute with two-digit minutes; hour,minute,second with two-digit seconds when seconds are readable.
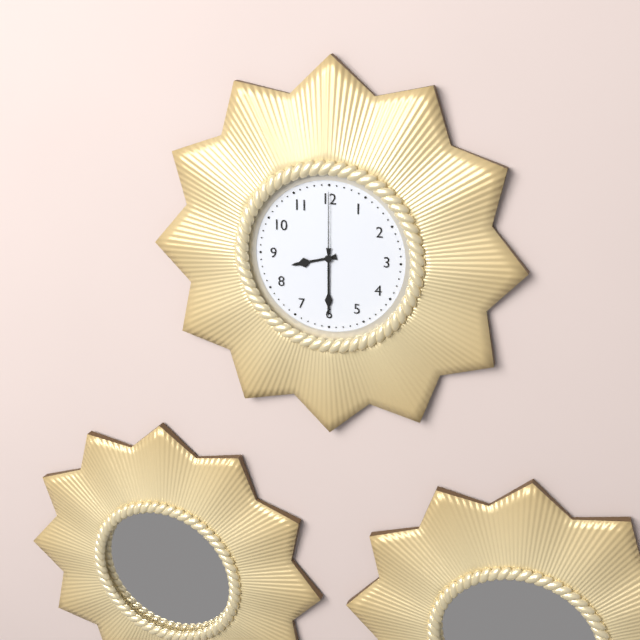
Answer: 8,30,00
